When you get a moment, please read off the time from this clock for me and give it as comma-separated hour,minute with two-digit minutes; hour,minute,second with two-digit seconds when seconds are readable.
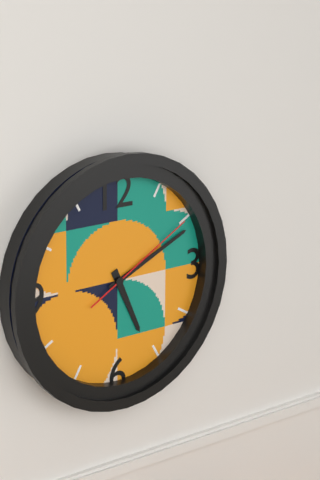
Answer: 5,11,10
